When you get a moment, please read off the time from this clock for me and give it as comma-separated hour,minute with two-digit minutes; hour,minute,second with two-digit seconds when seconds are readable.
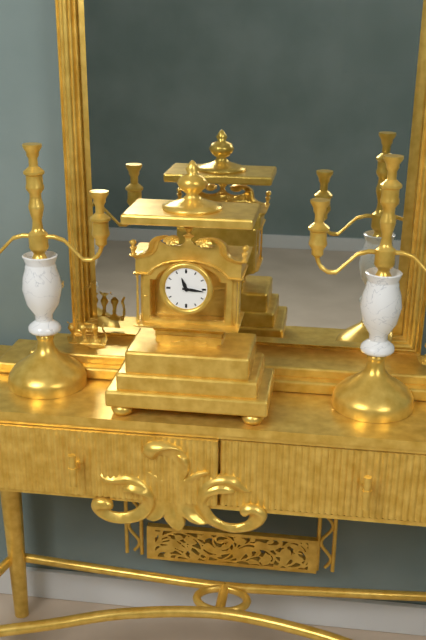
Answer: 11,16
